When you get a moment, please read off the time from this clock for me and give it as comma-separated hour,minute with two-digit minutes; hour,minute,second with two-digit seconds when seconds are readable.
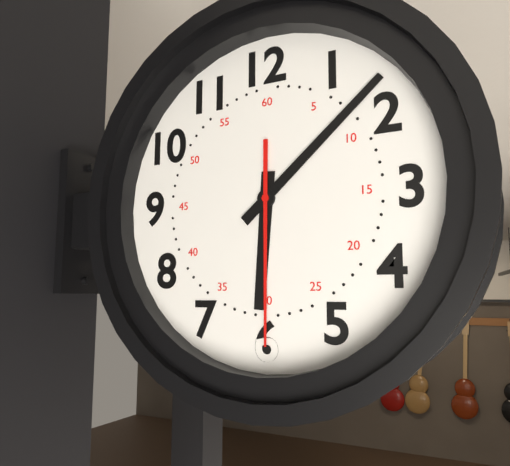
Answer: 6,08,30
